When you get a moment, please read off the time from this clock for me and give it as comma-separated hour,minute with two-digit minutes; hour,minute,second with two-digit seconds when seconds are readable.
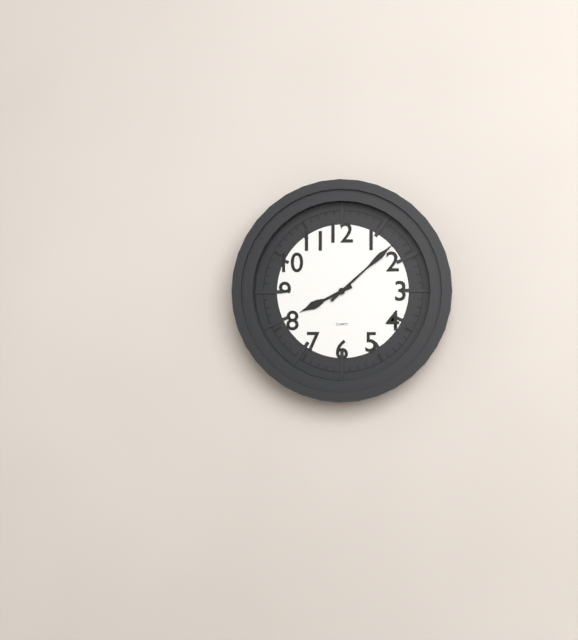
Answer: 8,08
